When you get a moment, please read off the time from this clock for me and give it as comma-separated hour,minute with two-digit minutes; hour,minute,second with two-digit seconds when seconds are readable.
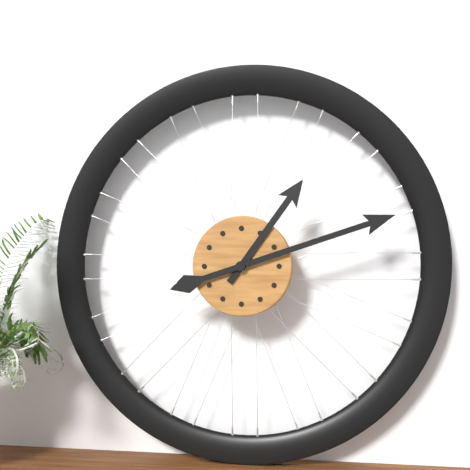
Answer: 1,12
